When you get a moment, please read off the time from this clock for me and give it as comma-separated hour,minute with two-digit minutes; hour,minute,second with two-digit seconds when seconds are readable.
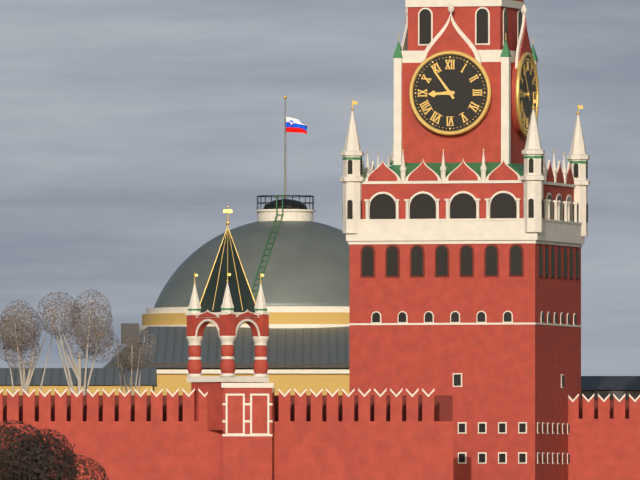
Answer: 8,54
